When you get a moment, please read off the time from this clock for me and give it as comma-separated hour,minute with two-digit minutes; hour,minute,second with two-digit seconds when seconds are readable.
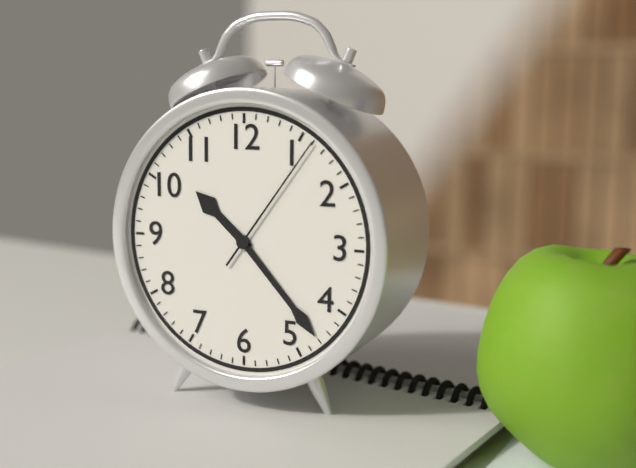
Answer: 10,23,06
